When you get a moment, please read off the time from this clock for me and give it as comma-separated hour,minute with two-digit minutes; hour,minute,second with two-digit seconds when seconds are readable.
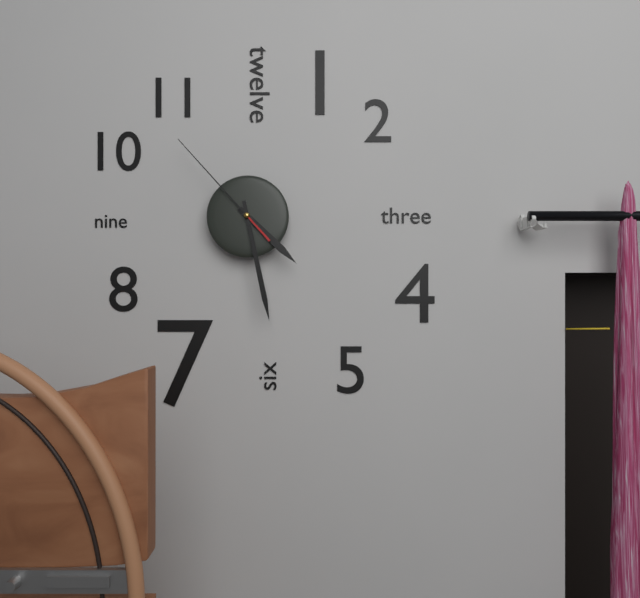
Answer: 4,28,53
